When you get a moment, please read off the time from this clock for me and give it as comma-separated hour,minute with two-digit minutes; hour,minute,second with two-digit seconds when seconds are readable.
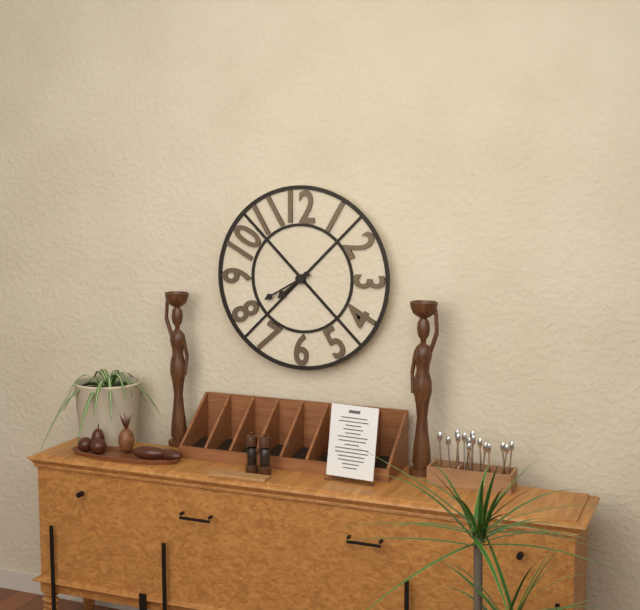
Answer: 7,40
